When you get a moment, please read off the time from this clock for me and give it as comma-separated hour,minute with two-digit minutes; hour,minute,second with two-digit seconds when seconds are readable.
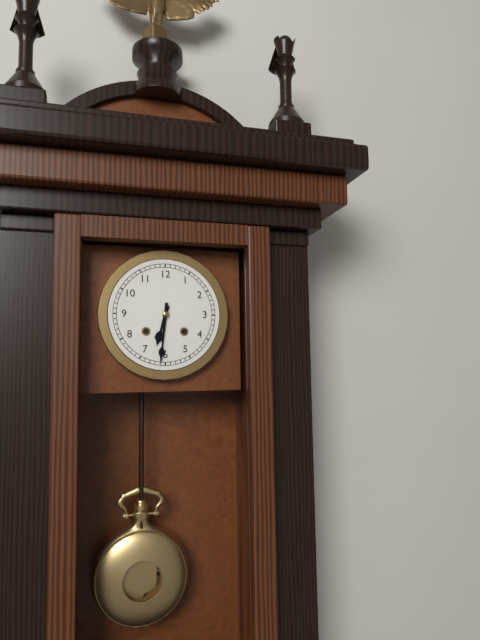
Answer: 6,31
